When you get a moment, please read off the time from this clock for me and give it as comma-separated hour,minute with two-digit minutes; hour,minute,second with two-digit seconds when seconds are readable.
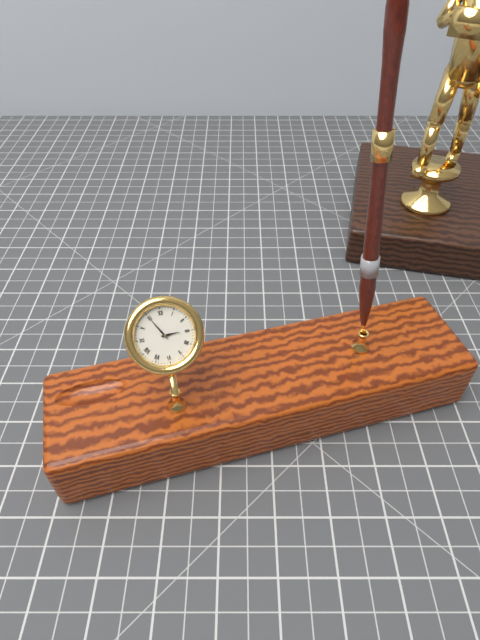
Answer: 2,55
